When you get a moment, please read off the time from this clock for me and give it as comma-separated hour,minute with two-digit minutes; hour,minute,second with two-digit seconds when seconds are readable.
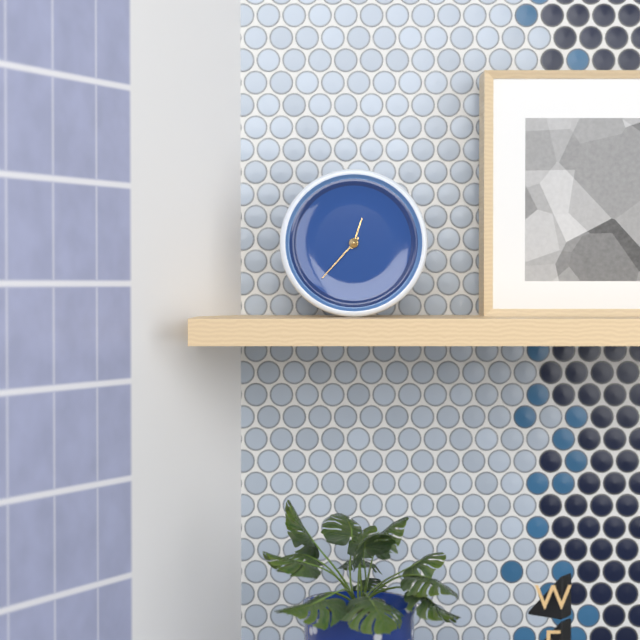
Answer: 12,37
